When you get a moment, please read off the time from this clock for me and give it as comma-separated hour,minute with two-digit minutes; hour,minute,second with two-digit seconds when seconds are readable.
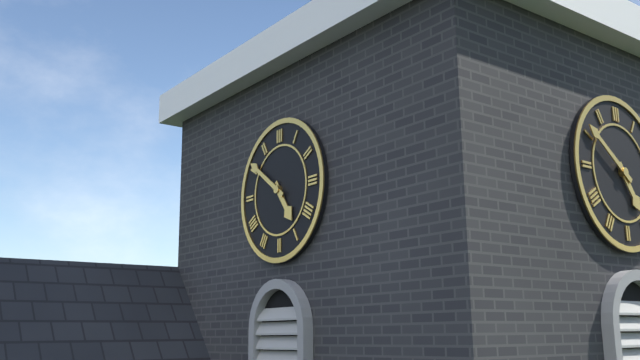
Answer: 4,51
